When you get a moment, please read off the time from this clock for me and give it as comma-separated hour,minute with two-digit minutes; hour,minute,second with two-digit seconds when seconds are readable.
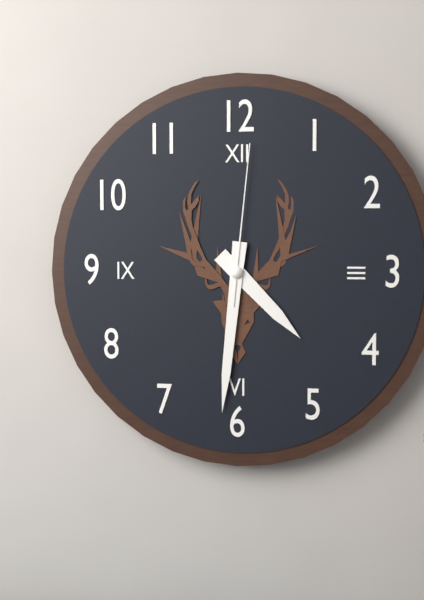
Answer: 4,31,01
